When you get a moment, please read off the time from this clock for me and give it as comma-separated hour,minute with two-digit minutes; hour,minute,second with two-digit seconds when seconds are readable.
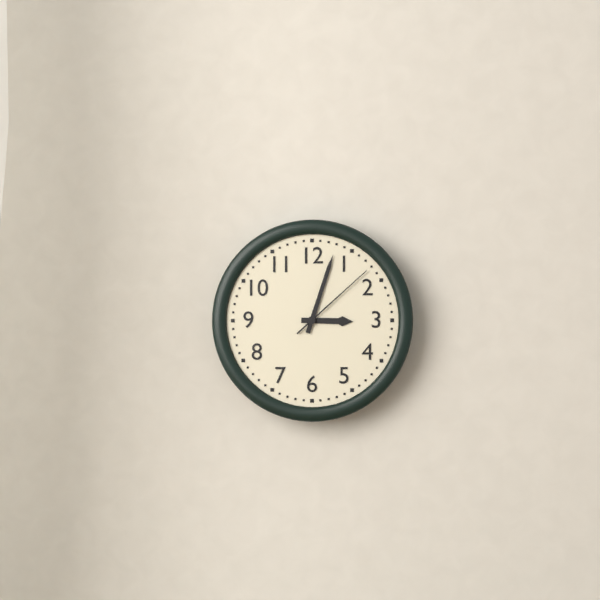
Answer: 3,03,08
